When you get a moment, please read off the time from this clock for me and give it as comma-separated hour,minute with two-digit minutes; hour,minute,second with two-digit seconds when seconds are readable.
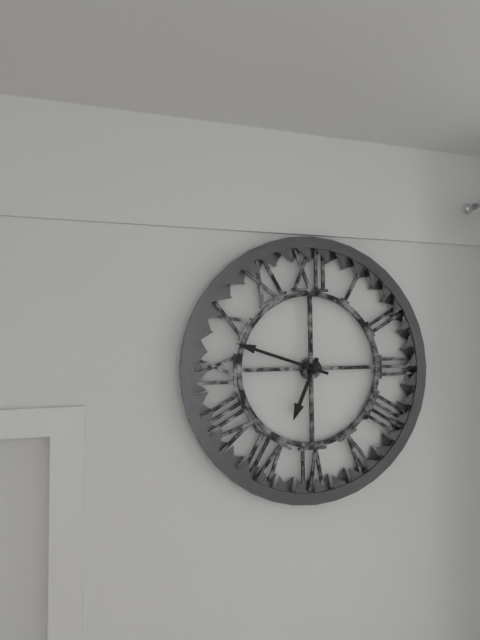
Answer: 6,48
